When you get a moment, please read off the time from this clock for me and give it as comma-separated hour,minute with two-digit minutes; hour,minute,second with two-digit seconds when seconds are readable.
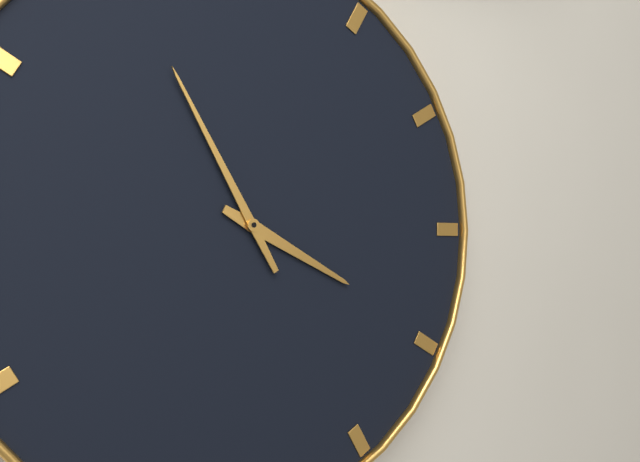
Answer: 3,55
